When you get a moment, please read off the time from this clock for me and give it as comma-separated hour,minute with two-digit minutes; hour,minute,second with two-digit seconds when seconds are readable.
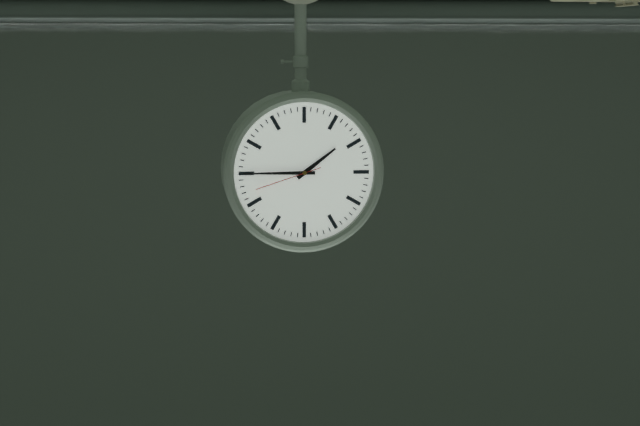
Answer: 1,45,42
